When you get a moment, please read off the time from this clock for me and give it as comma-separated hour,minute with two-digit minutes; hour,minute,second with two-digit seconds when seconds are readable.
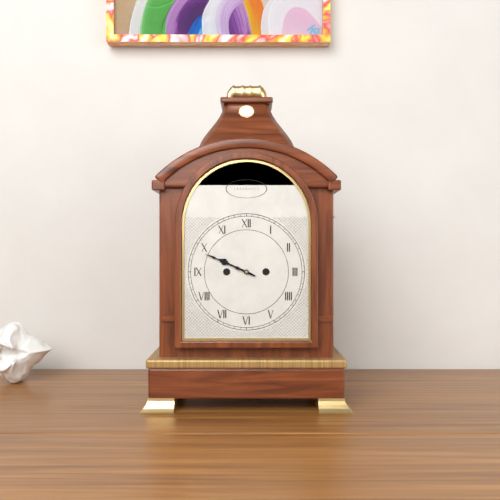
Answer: 9,49
